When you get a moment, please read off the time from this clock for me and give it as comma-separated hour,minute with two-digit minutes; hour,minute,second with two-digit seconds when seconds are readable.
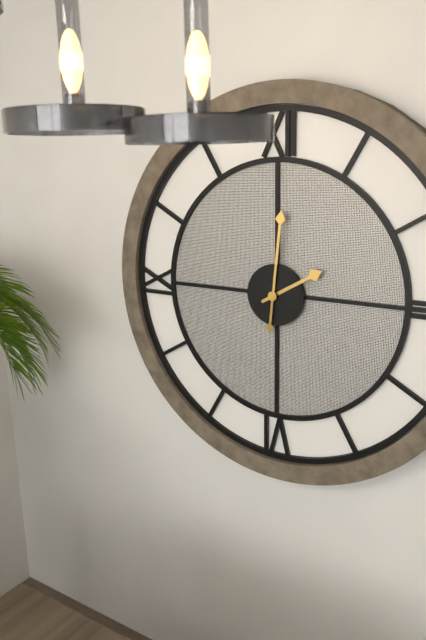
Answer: 2,01
